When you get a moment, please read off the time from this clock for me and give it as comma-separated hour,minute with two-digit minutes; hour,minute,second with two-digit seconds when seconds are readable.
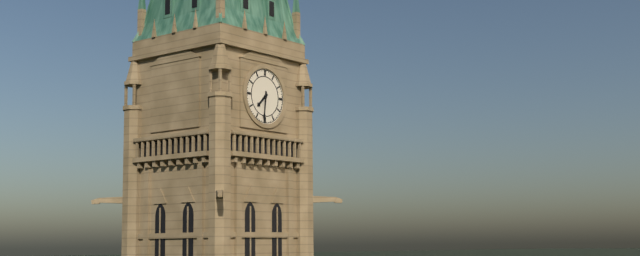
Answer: 7,31
